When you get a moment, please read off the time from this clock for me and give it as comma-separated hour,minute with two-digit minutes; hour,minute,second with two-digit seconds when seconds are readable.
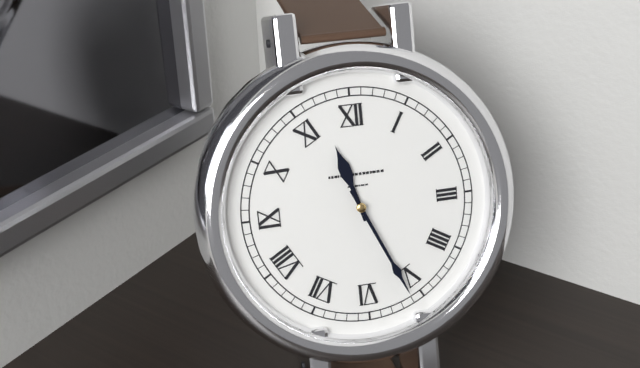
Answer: 11,26
